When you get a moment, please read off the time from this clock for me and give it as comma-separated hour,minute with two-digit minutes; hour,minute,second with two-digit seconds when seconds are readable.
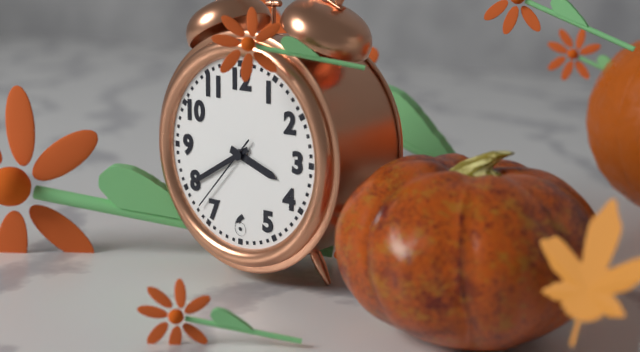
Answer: 3,40,37
